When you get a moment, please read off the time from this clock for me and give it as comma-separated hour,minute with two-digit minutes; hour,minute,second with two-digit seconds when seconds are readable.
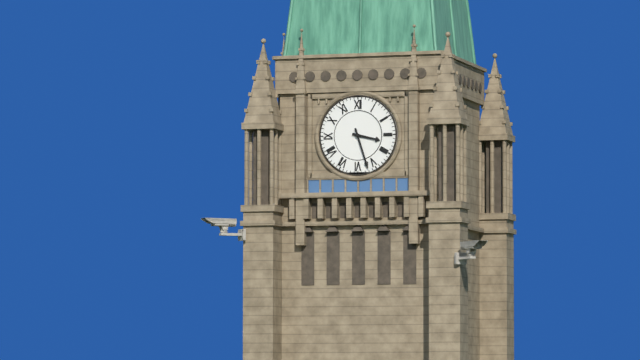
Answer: 3,27
